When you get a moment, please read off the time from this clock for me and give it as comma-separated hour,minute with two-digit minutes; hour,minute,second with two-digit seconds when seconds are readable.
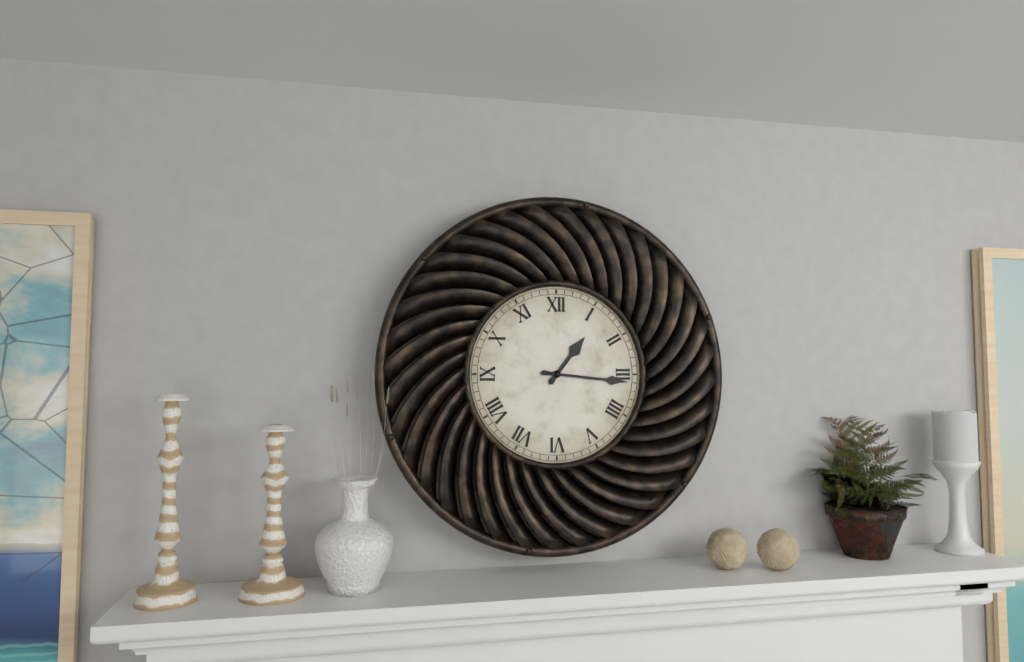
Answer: 1,16
